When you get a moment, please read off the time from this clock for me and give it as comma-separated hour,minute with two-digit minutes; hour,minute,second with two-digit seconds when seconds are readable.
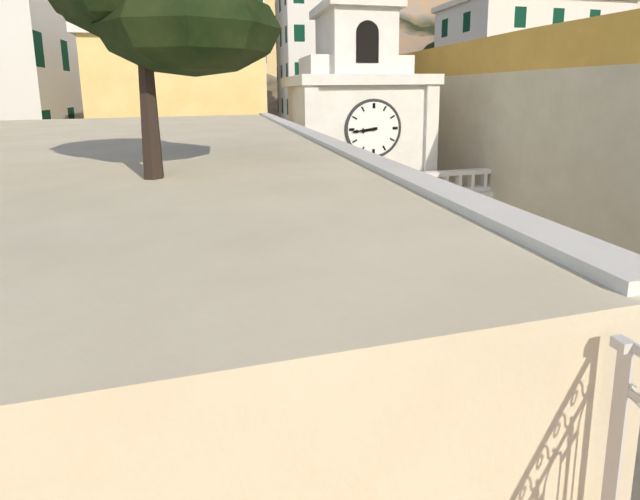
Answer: 8,44
